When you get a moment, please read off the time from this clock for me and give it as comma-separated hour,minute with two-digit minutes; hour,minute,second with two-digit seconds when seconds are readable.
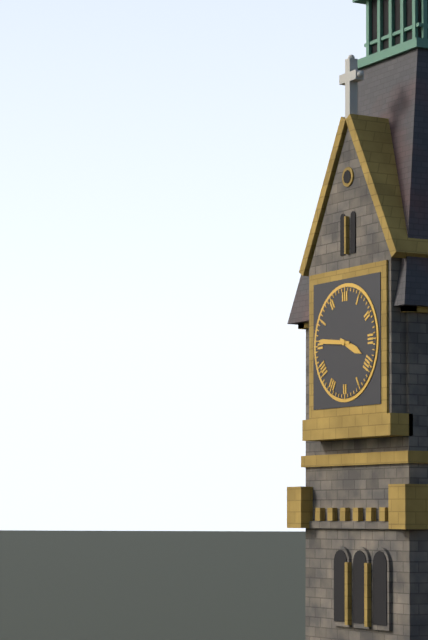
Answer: 3,46
